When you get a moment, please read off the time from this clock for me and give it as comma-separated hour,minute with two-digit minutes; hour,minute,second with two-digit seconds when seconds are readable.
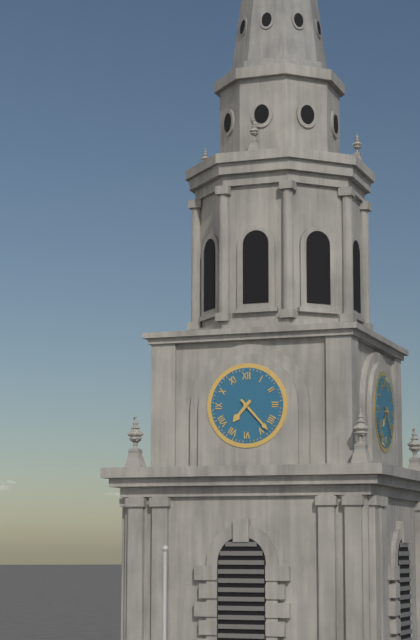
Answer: 7,23
